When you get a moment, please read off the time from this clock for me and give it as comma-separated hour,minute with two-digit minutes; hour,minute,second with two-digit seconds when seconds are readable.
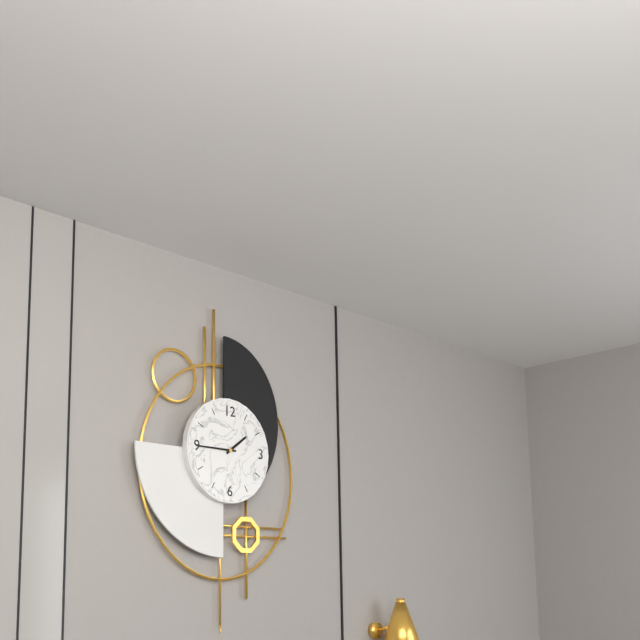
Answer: 1,45
